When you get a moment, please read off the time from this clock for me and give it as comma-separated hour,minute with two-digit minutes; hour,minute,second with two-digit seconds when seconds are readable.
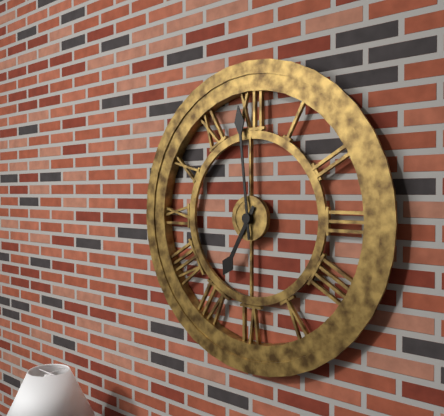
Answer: 6,59
